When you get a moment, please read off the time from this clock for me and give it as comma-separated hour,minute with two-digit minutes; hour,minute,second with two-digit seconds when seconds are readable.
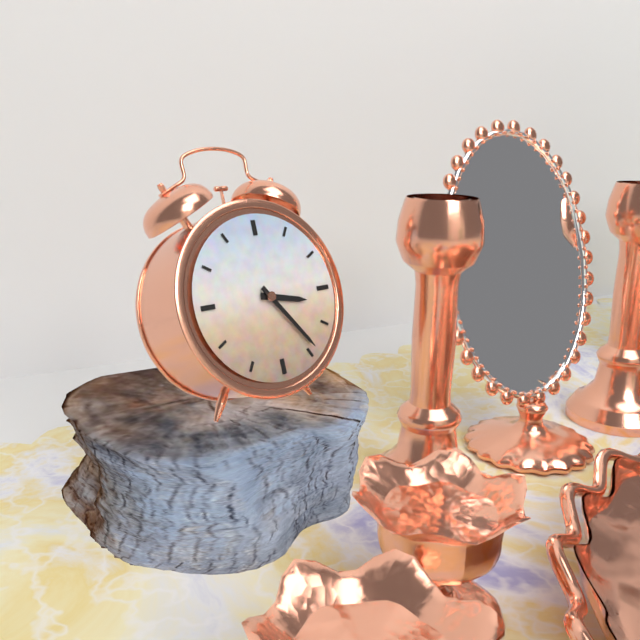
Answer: 3,24
